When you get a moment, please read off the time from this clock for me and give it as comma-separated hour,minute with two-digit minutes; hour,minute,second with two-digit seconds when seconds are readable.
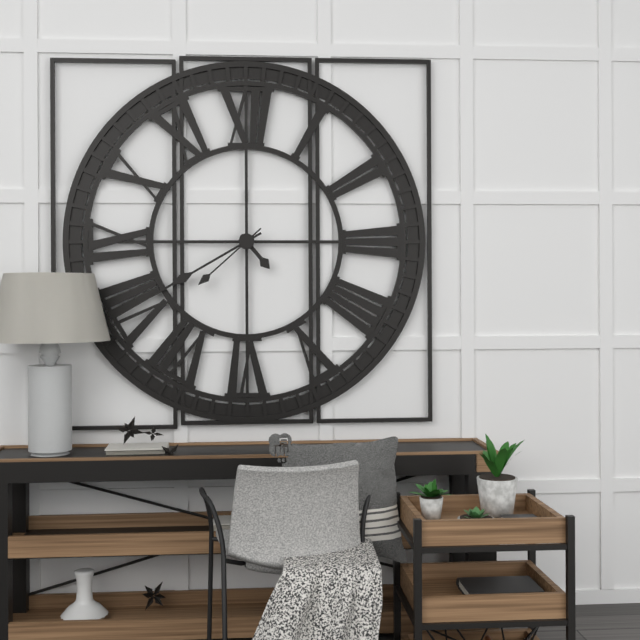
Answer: 4,40,38
